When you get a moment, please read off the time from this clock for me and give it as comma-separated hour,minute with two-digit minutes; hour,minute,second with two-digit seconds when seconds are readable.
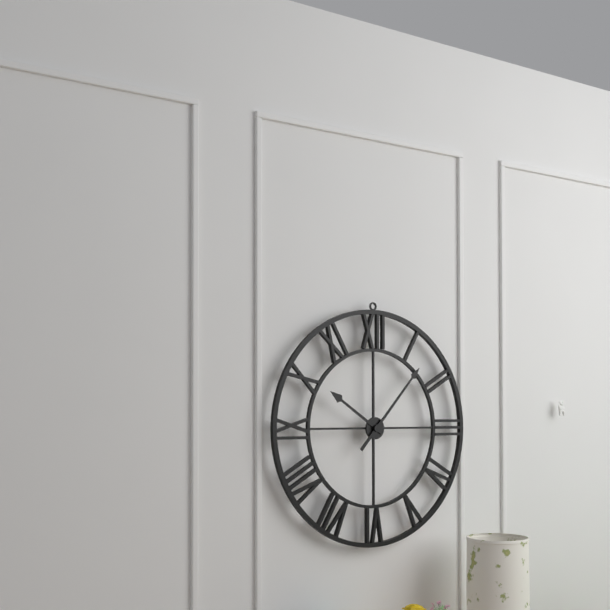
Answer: 10,07
